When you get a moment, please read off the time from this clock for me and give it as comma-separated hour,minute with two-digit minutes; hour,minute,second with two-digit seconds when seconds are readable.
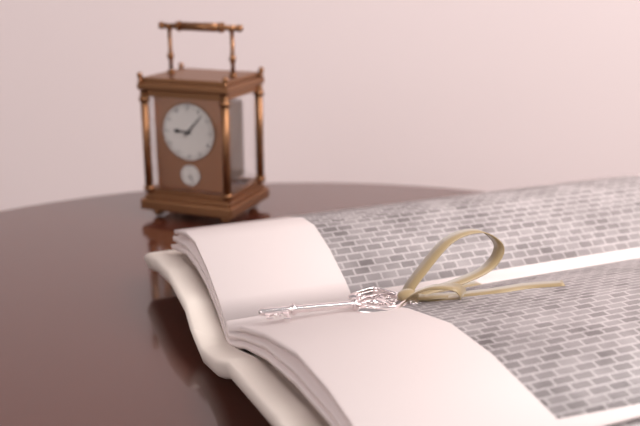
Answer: 9,07
